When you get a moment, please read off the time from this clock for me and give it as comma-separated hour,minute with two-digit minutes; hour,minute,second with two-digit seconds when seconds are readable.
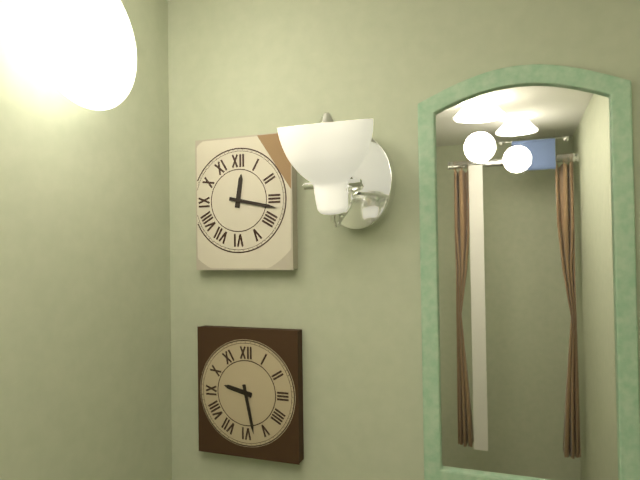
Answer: 12,17
